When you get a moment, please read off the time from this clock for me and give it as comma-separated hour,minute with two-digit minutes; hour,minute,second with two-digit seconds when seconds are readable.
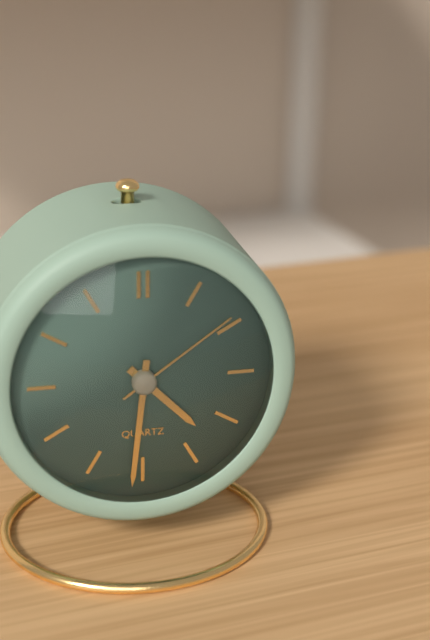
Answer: 4,31,09
